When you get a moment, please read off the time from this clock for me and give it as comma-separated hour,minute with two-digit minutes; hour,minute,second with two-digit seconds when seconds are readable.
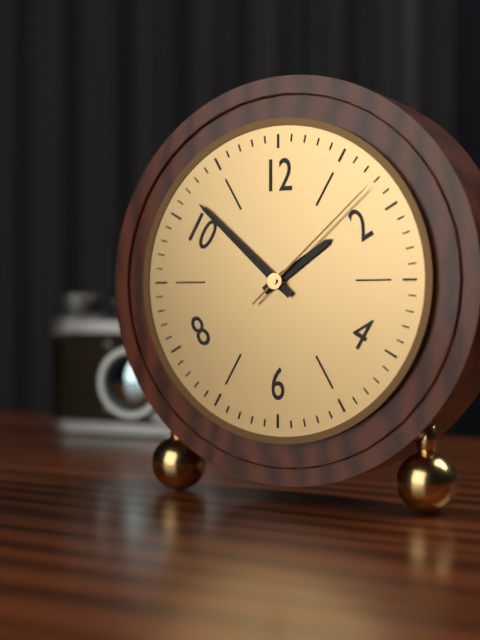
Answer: 1,52,08
